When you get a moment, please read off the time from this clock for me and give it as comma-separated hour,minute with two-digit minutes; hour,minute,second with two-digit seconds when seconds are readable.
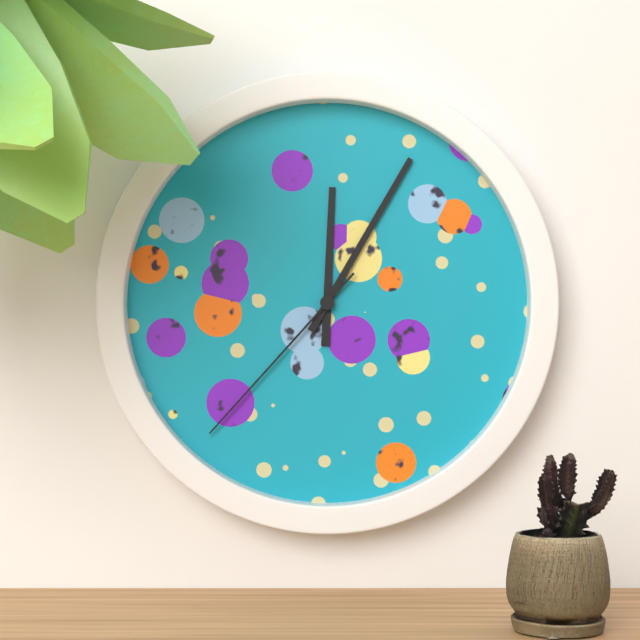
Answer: 12,05,37
